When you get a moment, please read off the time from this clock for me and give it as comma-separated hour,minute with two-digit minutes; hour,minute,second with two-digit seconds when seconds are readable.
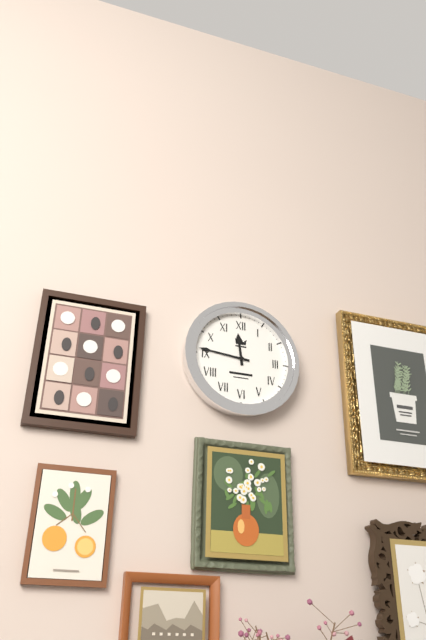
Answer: 11,46
